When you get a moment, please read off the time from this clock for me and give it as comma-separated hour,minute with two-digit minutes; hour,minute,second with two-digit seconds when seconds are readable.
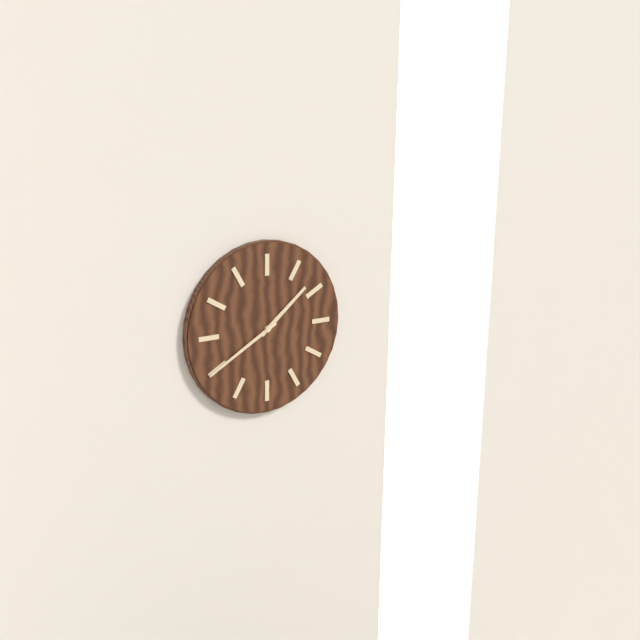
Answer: 1,40
